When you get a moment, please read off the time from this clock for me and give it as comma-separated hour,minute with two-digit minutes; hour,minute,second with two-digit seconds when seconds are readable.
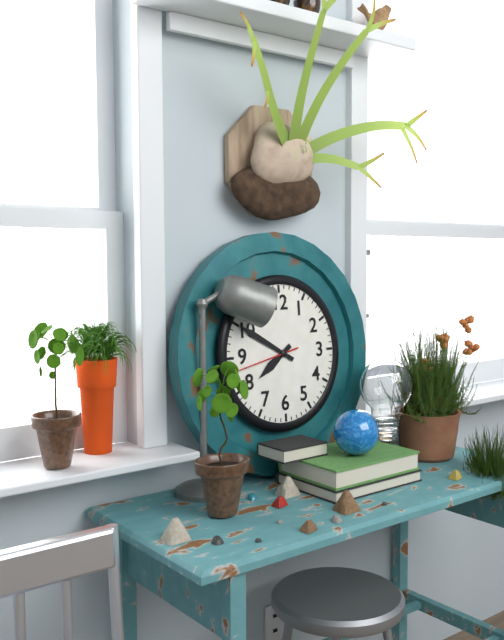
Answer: 7,50,43
